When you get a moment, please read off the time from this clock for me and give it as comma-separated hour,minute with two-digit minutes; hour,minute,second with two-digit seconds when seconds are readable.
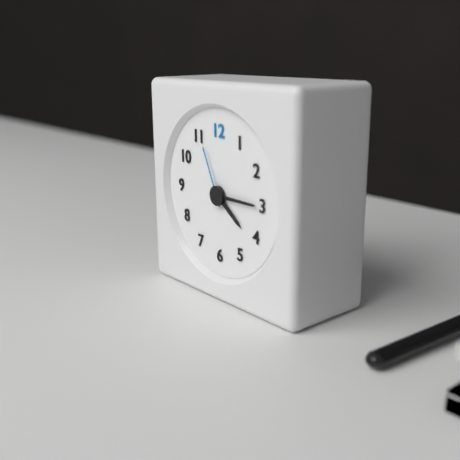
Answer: 4,15,56
